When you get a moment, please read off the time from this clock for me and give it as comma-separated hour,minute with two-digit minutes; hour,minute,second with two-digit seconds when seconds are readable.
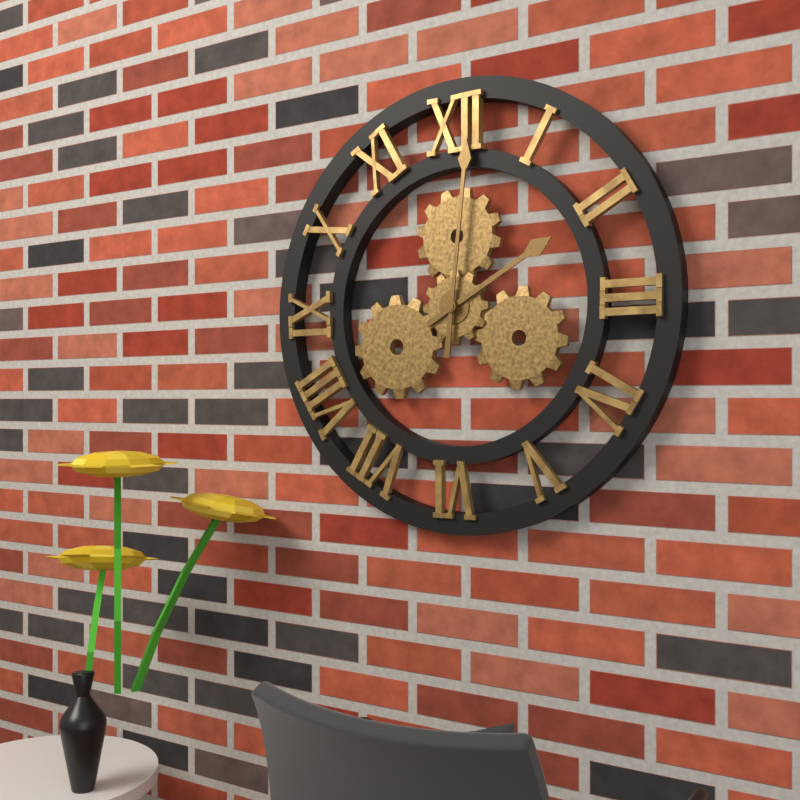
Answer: 2,01
